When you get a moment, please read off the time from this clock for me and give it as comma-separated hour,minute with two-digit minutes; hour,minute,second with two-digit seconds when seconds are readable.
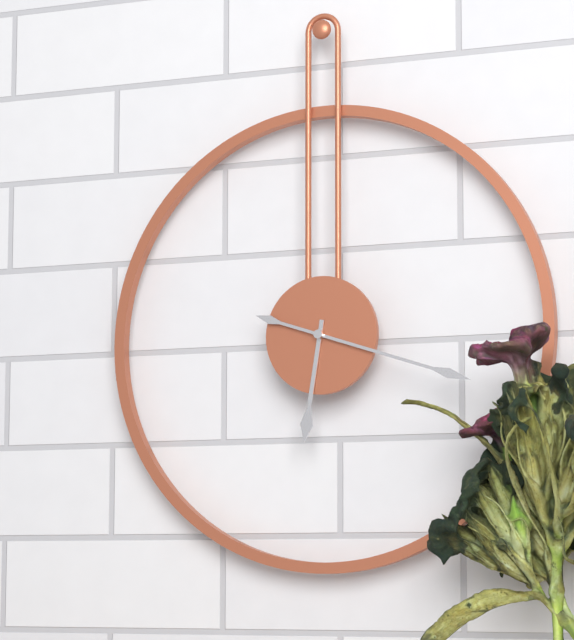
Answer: 6,18
